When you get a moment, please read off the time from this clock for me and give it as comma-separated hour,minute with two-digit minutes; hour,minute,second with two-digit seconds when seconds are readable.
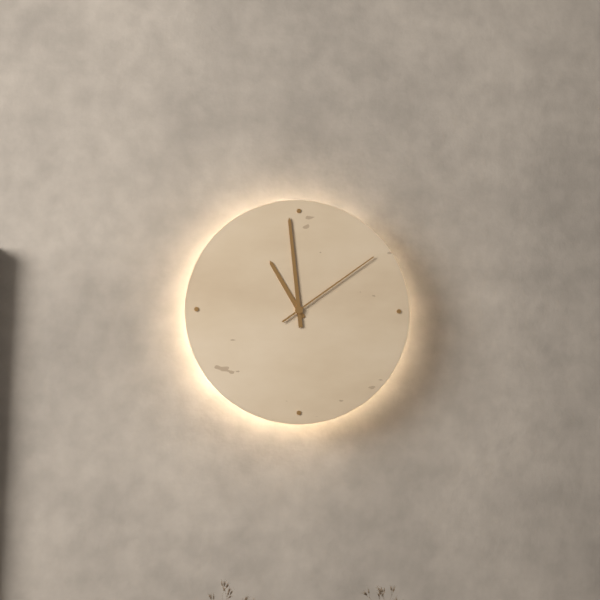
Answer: 10,59,09
